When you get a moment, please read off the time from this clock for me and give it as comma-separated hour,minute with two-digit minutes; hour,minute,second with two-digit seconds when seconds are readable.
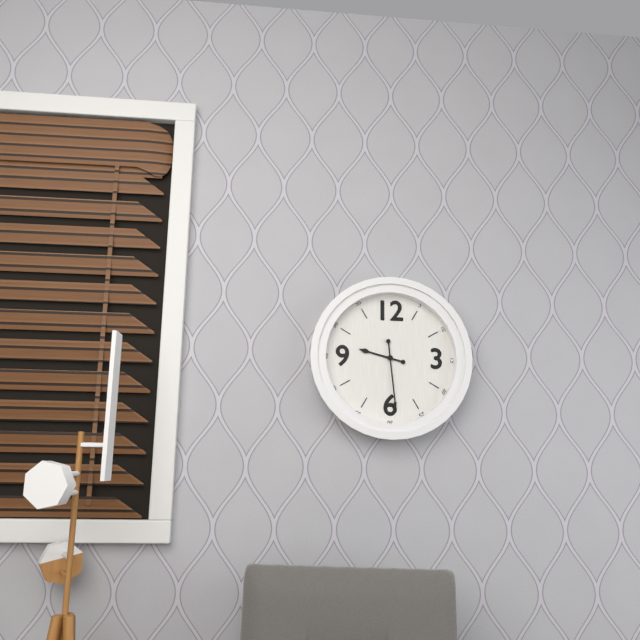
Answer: 9,29
